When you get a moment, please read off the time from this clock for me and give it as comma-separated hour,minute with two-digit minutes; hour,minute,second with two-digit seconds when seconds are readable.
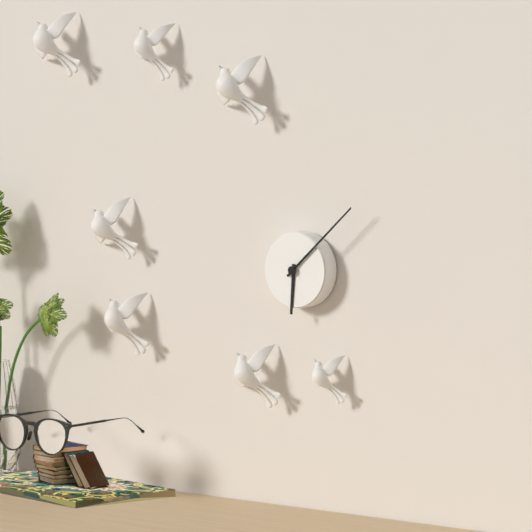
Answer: 6,08
